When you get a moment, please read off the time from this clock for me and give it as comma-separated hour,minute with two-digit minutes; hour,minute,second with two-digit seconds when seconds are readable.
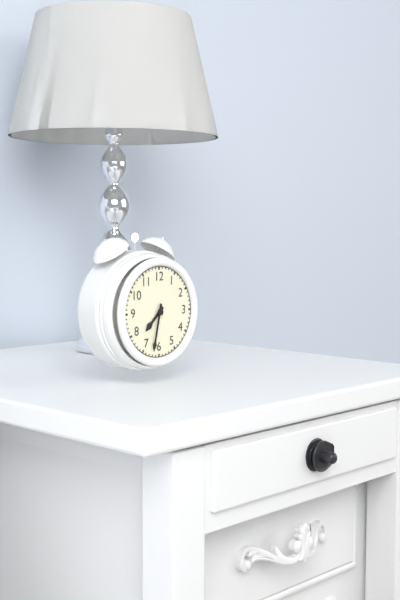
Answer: 7,32
